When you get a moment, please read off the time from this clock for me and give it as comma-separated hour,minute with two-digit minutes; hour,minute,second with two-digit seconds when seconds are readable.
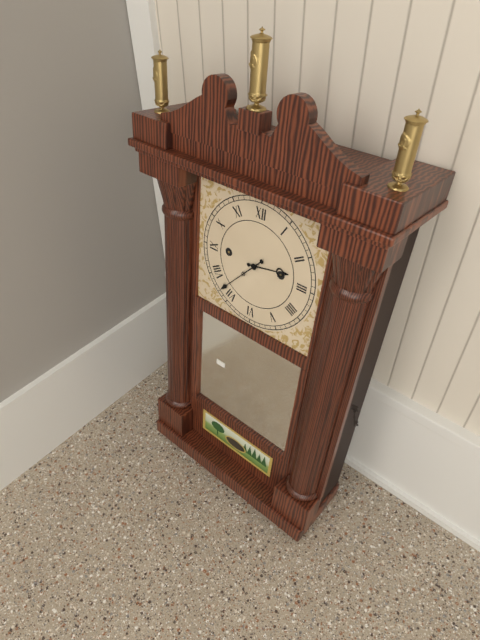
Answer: 2,37
